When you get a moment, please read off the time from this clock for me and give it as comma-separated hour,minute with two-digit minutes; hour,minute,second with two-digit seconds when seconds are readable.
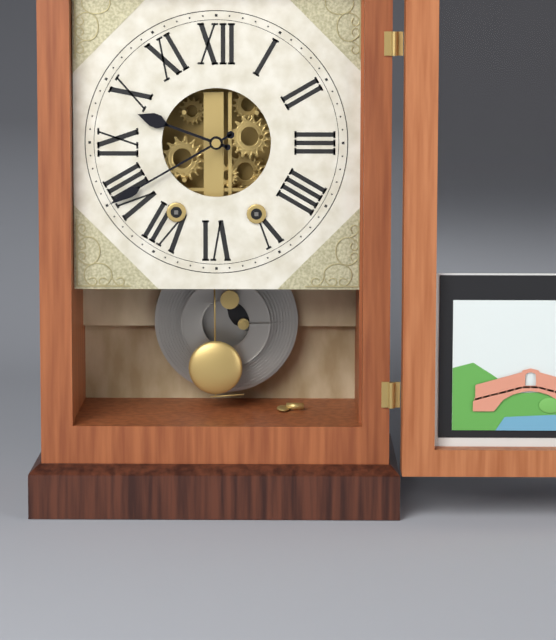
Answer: 9,40
